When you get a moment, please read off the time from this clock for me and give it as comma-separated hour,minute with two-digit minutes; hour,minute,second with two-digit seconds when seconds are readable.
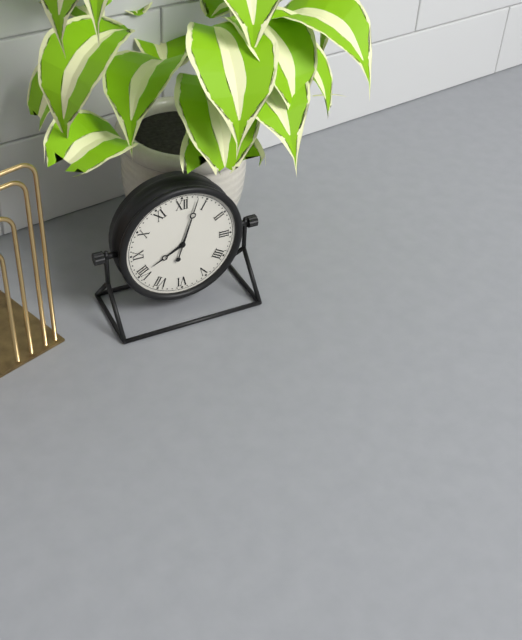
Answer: 8,03
